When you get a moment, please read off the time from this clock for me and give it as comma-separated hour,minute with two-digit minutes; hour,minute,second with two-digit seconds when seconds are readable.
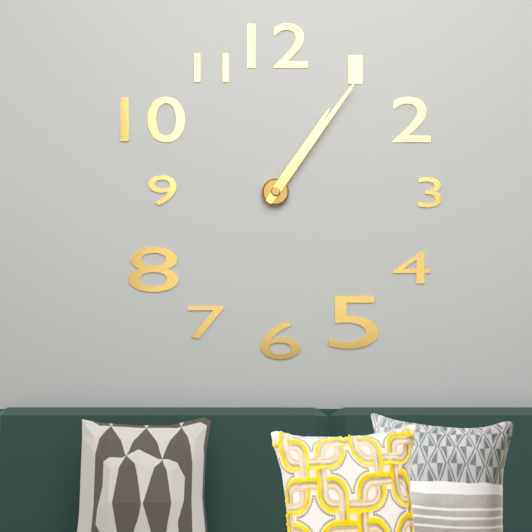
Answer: 1,06
